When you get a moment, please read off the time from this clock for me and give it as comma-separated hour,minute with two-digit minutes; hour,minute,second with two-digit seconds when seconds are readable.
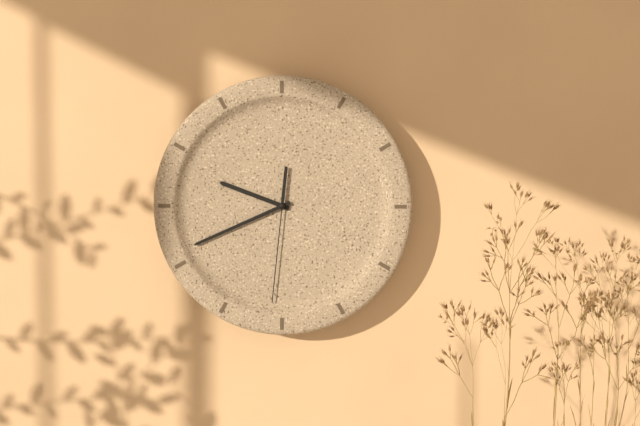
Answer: 9,41,31
